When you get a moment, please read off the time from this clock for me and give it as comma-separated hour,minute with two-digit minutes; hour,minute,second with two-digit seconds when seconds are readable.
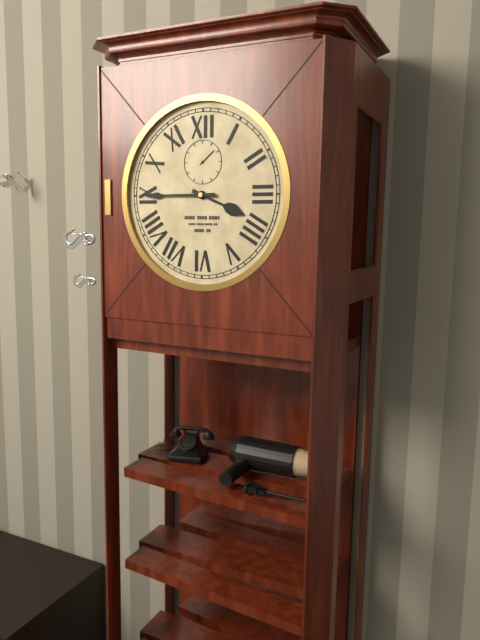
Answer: 3,45
